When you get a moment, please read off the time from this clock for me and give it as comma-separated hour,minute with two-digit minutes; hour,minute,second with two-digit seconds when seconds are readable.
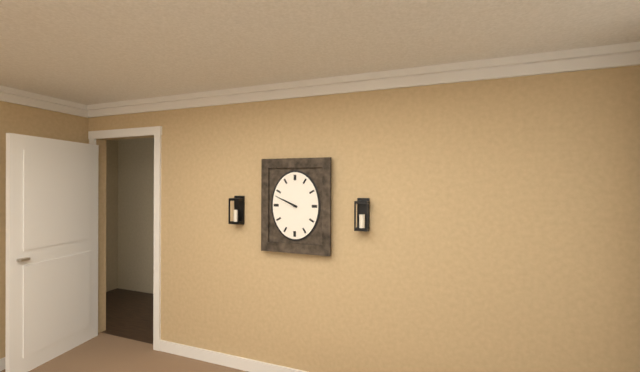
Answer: 9,49
